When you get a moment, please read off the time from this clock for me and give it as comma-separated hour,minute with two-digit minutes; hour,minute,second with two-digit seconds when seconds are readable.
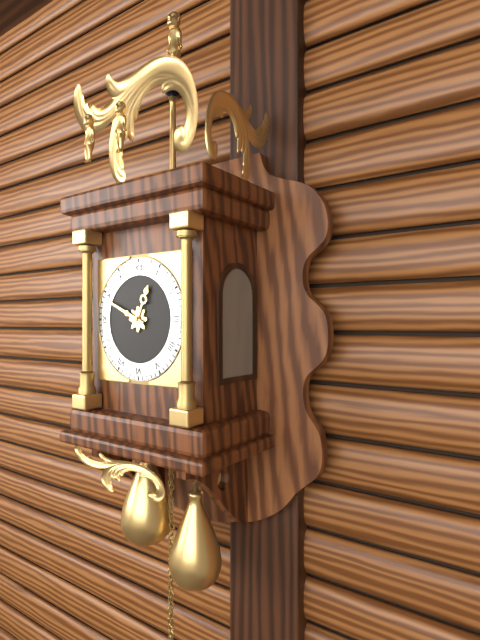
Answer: 12,49
